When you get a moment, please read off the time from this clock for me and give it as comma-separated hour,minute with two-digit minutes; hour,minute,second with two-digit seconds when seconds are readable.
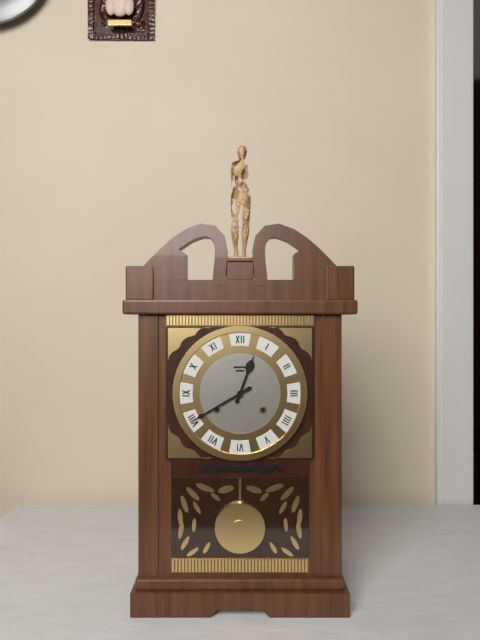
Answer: 12,40
